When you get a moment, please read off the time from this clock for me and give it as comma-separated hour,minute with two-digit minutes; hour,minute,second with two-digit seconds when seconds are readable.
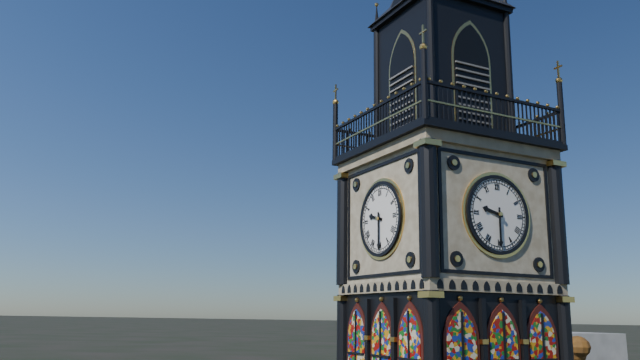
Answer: 9,30
